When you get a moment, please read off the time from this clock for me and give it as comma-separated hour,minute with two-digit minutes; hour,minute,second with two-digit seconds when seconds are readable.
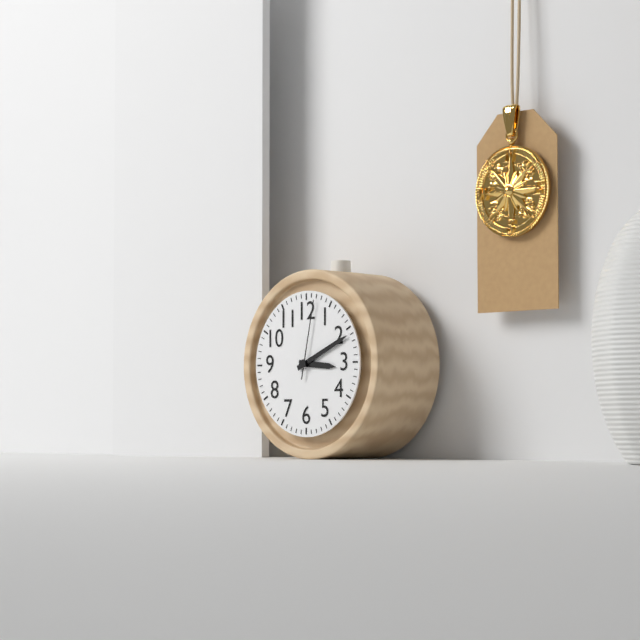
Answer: 3,11,02
